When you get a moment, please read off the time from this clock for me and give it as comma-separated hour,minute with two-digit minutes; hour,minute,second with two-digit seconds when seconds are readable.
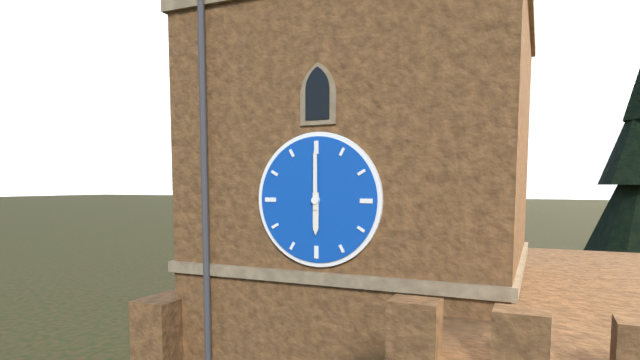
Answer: 6,00
